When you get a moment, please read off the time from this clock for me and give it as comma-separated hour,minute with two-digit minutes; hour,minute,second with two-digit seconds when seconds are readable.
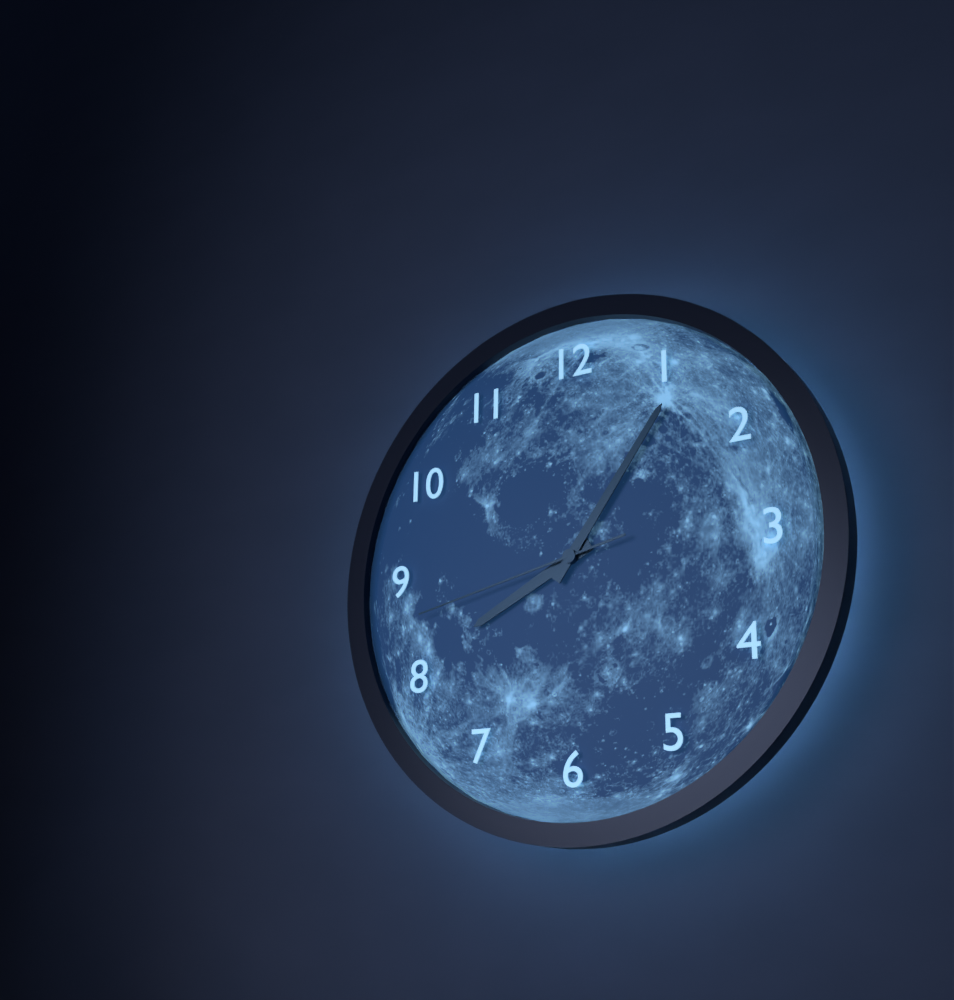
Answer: 8,06,43
